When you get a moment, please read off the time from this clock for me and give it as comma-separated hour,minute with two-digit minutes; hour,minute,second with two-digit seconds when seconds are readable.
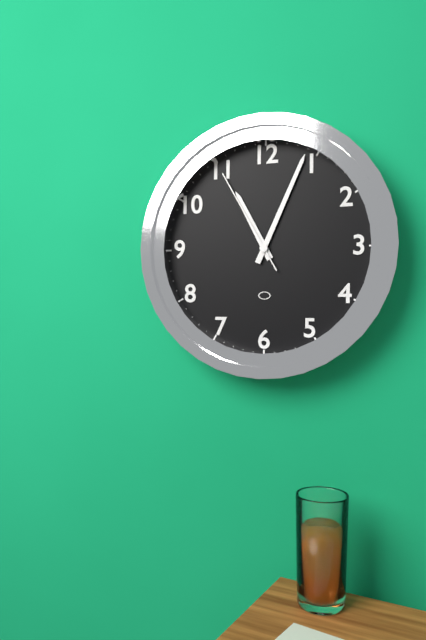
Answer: 11,04,55
